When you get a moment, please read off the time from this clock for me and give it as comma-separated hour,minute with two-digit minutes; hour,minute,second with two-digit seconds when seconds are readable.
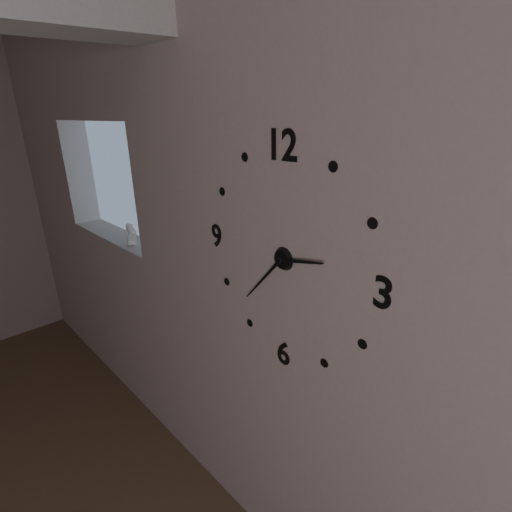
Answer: 2,37
